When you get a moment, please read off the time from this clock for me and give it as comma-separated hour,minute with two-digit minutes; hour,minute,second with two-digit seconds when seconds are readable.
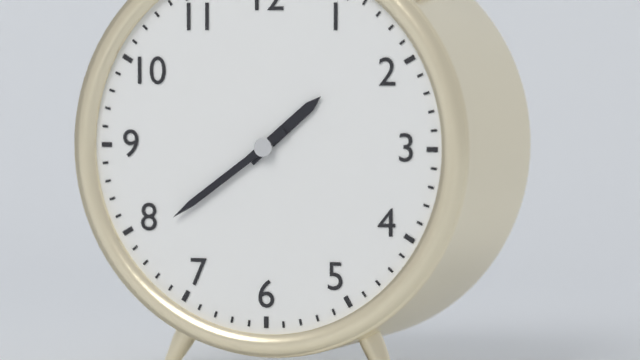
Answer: 1,39
